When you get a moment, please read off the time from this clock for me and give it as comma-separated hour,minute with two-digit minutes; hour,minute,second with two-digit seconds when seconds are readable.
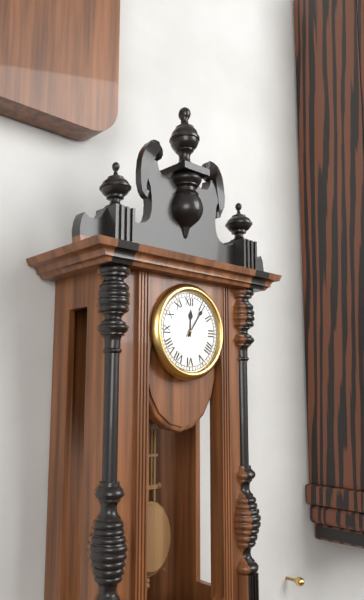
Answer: 12,06
